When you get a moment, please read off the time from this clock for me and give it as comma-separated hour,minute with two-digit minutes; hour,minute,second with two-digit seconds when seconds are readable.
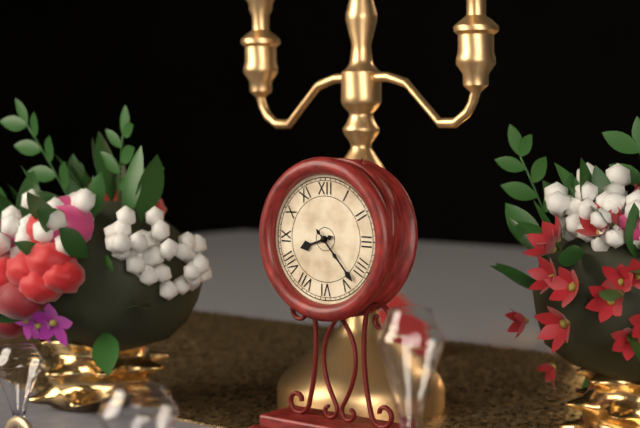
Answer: 8,23
